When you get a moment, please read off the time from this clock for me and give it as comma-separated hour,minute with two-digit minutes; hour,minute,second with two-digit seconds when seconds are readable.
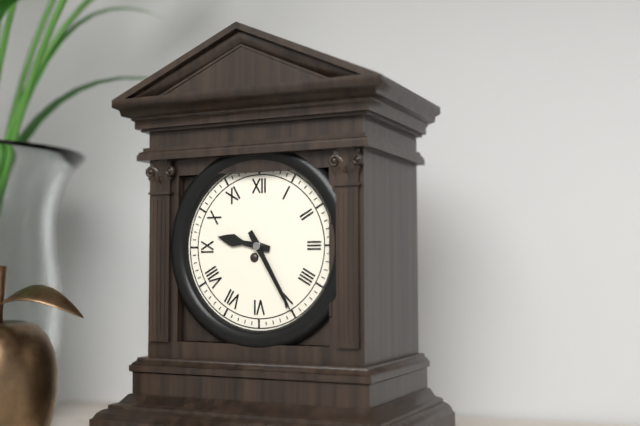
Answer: 9,25
